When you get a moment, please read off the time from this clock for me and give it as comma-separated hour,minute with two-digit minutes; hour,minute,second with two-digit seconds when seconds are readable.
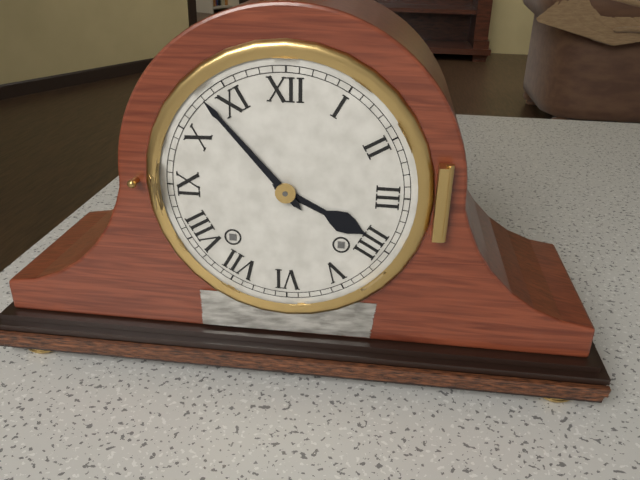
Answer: 3,53
